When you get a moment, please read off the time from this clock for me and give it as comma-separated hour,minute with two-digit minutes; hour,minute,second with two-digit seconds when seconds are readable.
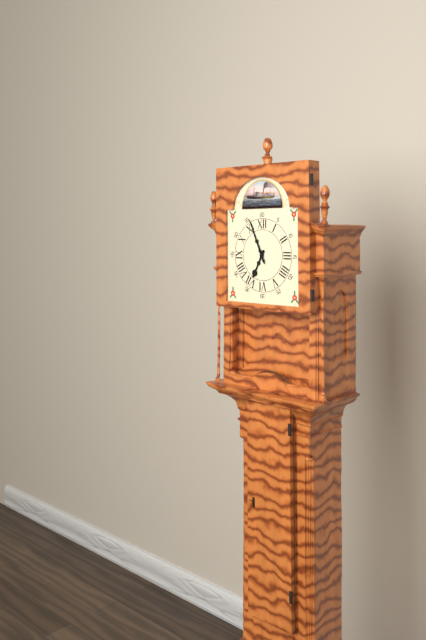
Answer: 6,56
